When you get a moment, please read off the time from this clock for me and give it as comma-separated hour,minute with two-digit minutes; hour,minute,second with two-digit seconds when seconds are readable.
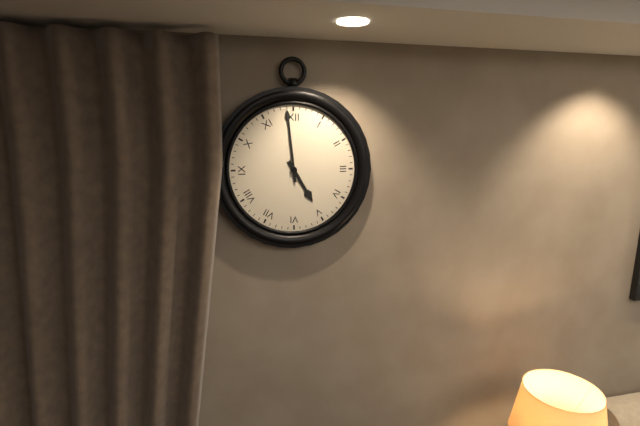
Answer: 4,59
